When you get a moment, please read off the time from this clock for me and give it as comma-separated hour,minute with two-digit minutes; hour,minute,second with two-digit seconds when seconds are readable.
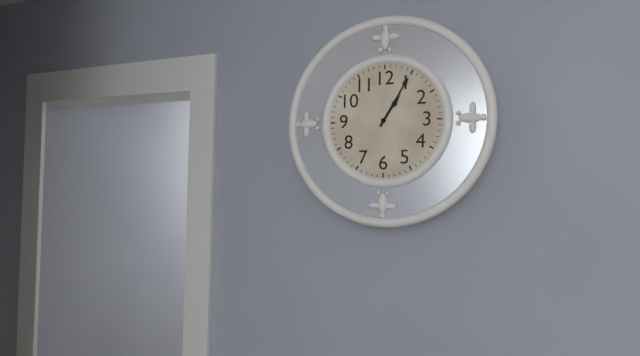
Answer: 1,05
